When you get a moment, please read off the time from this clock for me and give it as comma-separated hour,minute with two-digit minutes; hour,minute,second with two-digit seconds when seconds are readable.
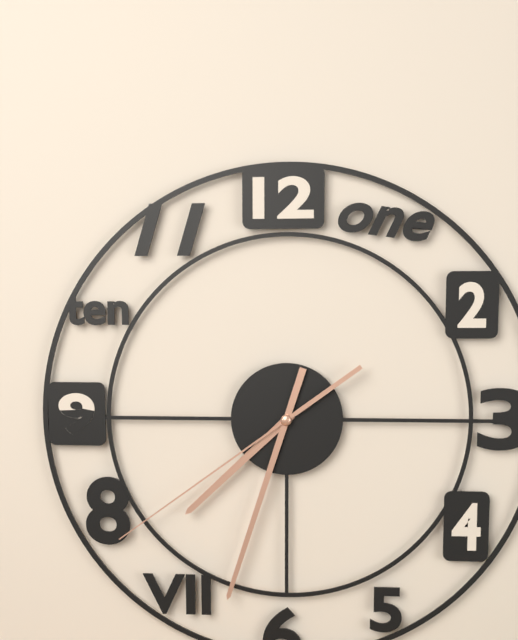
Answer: 7,33,39
